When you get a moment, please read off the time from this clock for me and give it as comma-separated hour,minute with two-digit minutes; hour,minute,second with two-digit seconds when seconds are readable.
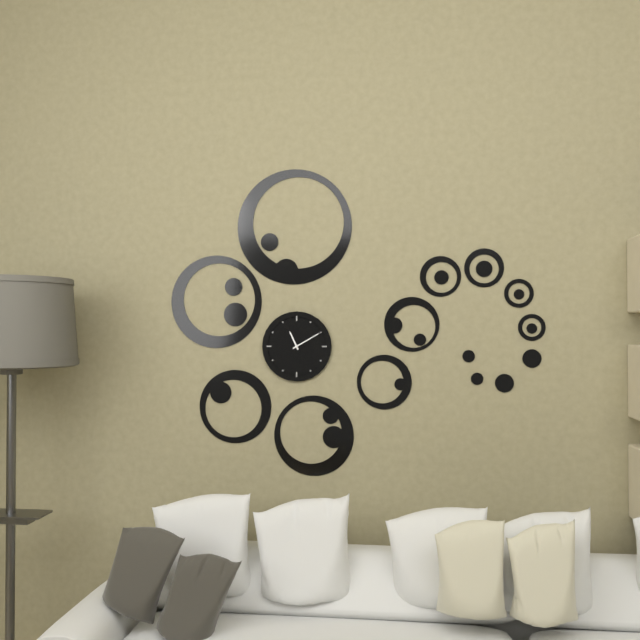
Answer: 11,10
